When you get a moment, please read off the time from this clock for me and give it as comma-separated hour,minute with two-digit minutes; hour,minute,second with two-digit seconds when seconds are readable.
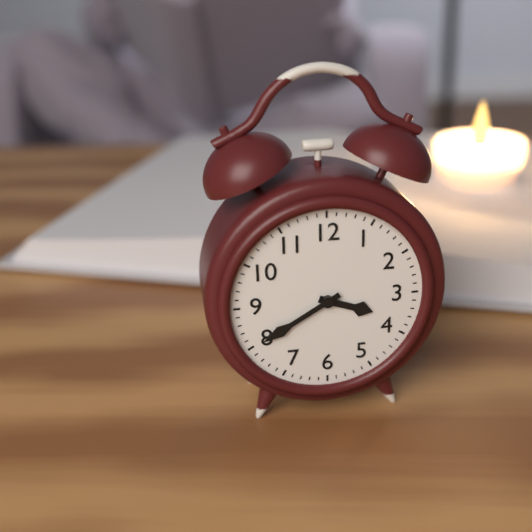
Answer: 3,40
